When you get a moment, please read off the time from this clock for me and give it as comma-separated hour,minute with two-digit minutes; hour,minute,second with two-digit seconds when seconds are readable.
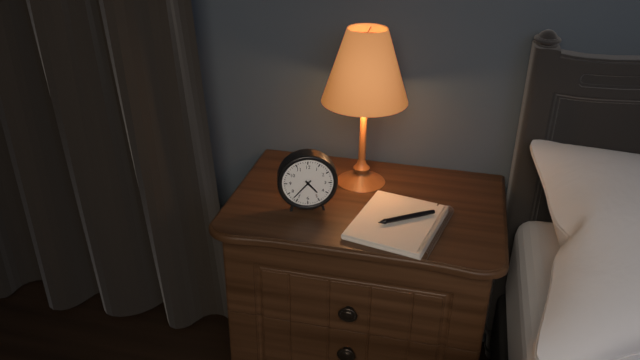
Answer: 4,37
